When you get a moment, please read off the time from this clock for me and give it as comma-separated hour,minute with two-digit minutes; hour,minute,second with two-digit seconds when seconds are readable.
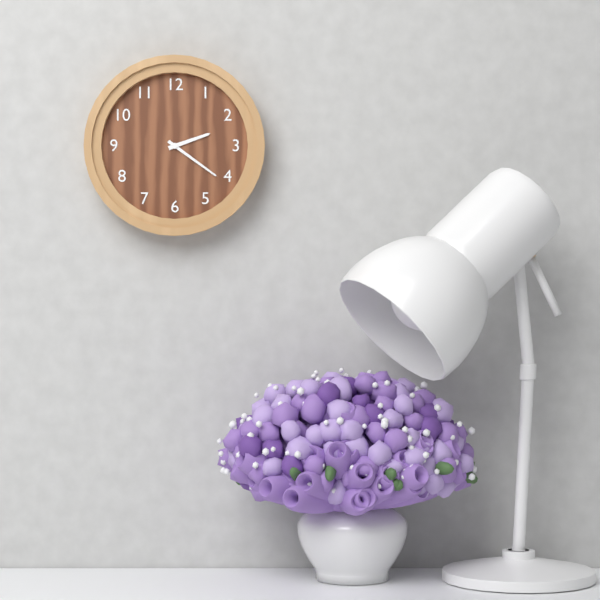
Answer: 2,21
